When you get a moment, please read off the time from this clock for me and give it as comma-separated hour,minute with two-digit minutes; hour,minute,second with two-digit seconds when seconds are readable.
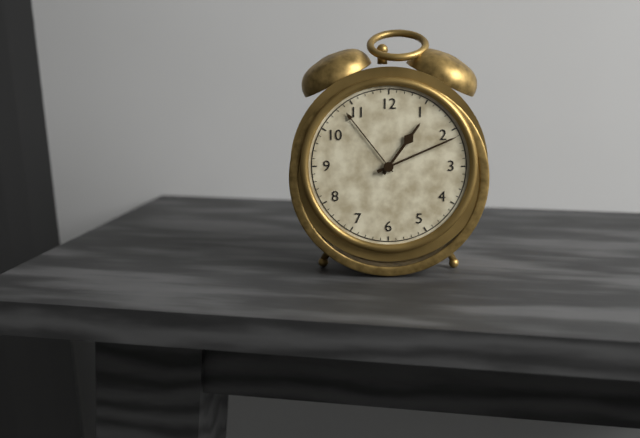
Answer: 1,11
